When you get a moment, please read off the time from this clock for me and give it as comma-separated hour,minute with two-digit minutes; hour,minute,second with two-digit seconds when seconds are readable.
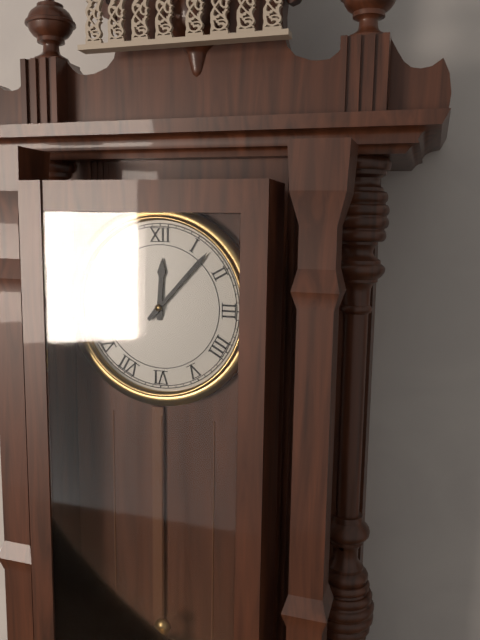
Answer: 12,07
